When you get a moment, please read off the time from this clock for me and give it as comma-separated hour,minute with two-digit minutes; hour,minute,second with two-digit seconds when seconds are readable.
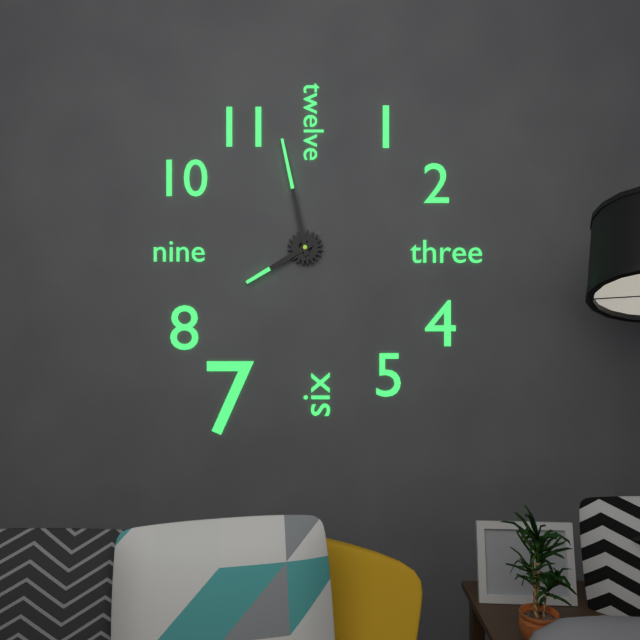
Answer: 7,58
